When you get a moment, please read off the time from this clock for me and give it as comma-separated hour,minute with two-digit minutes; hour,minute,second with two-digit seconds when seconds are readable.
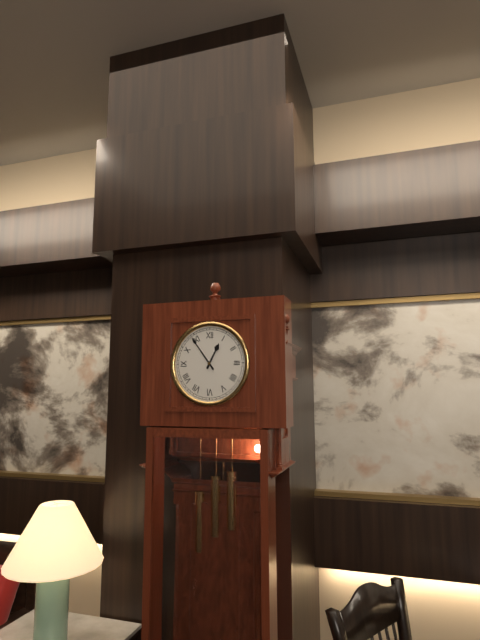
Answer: 12,54
